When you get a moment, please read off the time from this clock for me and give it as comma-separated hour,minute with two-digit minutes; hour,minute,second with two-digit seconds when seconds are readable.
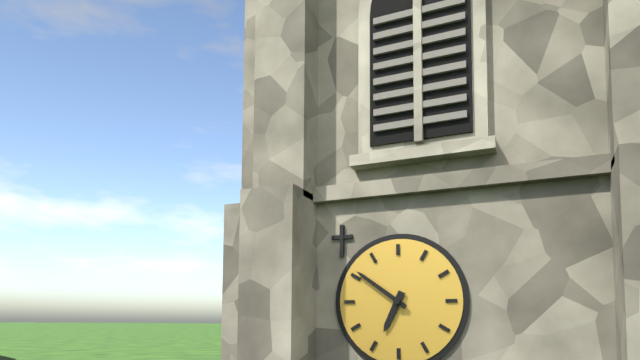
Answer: 6,51
